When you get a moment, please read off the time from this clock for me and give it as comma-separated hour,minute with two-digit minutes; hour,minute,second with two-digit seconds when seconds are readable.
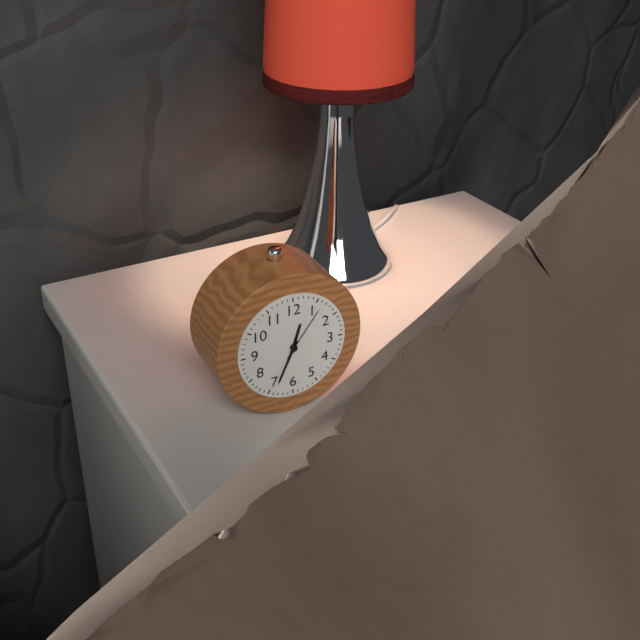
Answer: 12,34,06
